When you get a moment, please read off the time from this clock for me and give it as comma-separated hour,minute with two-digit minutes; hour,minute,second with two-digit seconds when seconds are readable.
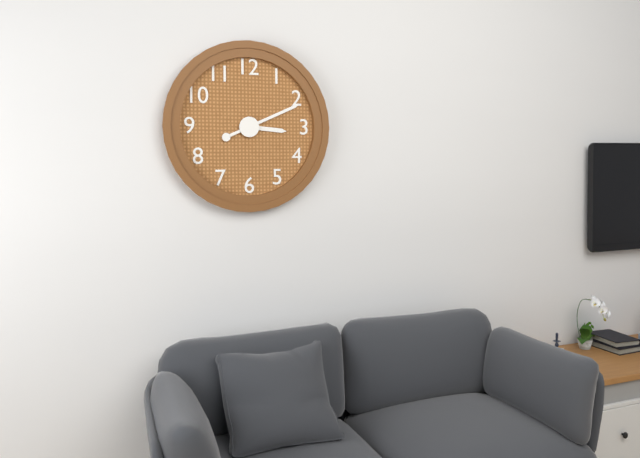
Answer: 3,11
